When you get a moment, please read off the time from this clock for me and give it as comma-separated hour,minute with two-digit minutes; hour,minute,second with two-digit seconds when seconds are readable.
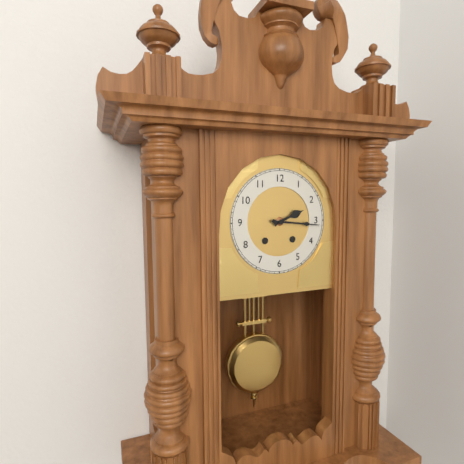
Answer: 2,16
